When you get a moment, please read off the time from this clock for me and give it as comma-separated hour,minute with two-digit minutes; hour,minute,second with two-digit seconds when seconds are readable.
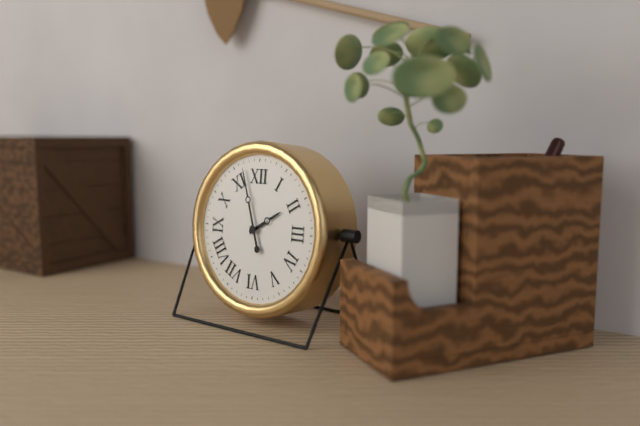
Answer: 1,57
